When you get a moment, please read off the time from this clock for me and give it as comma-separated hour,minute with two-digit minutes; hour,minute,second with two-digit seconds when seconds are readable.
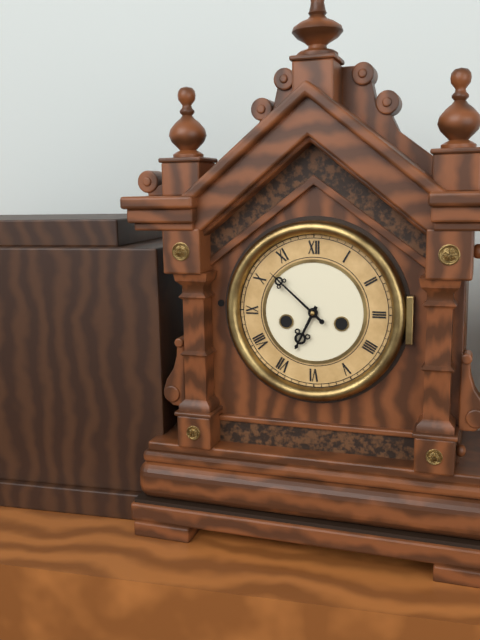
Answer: 6,52
